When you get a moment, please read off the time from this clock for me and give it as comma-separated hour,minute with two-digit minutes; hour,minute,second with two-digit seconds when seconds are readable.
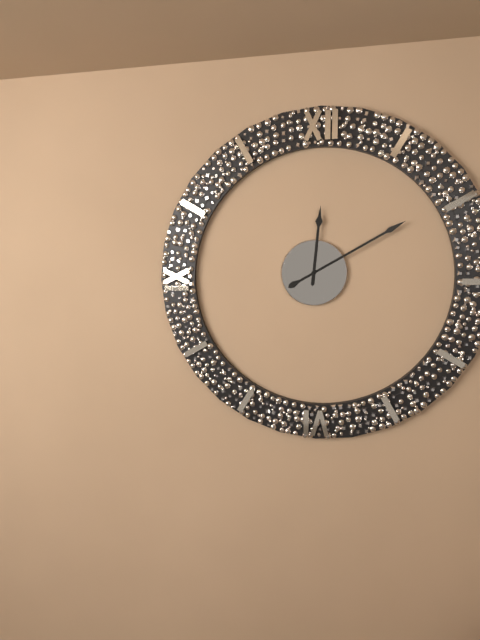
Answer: 12,10
